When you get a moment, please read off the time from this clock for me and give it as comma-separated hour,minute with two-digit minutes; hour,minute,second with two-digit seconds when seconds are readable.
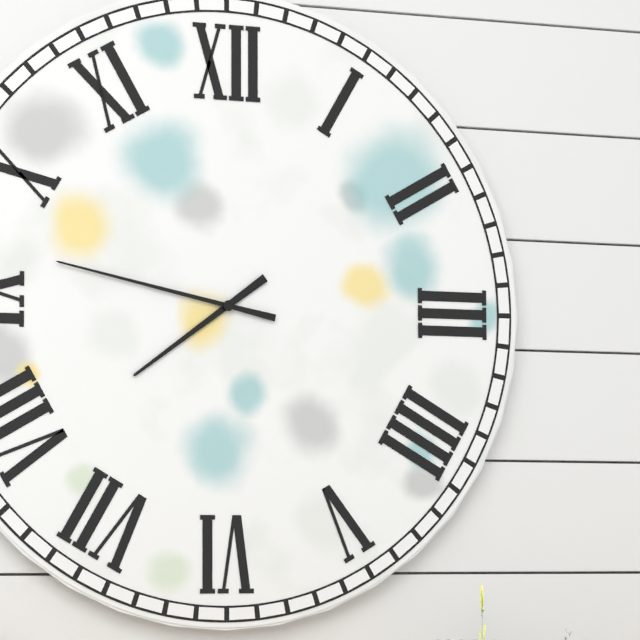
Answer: 7,47
